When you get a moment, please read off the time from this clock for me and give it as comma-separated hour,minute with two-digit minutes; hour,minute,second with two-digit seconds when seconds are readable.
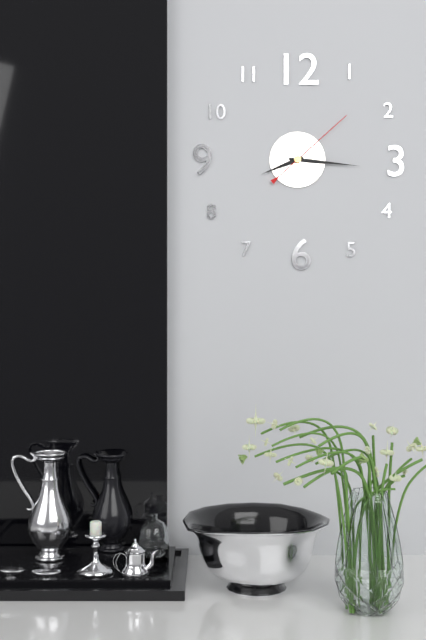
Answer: 8,16,08
